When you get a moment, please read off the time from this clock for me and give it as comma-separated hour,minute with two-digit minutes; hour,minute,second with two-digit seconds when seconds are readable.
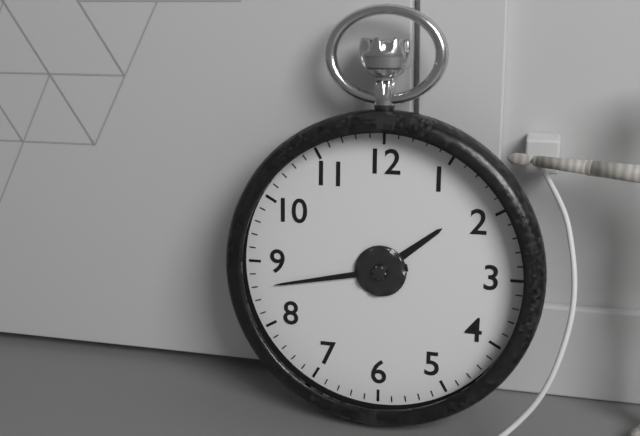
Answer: 1,43
